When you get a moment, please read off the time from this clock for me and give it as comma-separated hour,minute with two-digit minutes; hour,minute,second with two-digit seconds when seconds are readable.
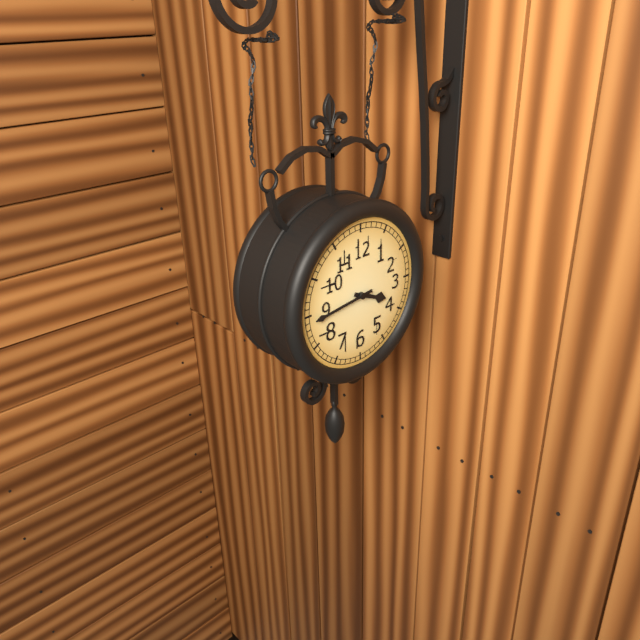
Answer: 3,44
